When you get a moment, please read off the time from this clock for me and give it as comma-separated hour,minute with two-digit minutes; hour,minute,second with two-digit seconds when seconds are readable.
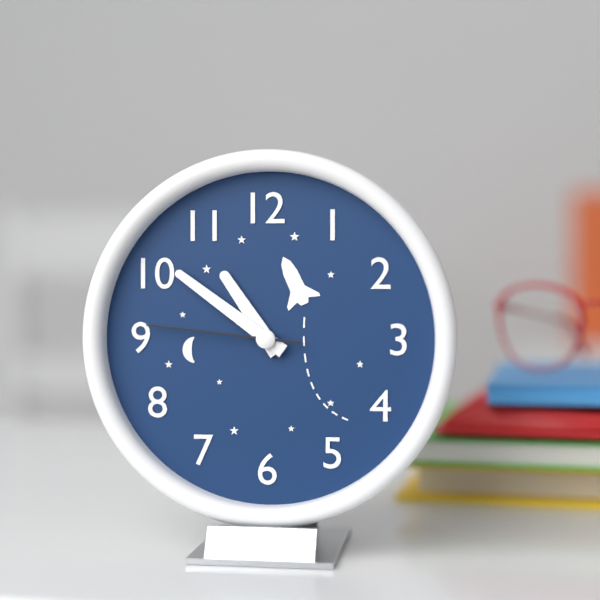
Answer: 10,51,46
